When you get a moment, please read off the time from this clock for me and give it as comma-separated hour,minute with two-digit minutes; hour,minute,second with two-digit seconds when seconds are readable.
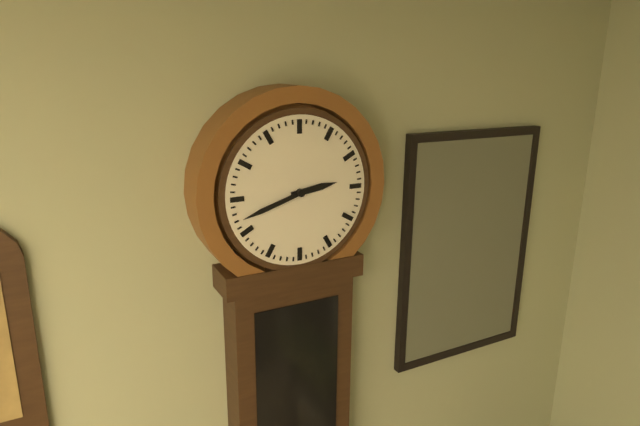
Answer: 2,42
